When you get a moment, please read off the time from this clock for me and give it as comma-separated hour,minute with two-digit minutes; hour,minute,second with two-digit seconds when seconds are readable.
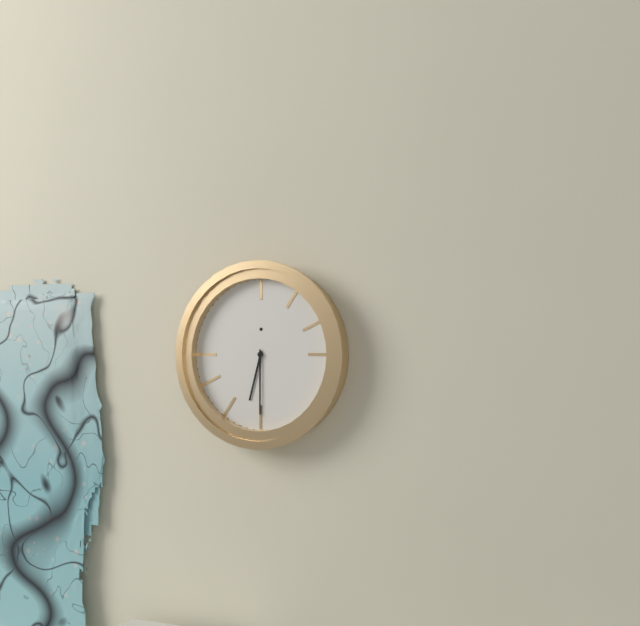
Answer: 6,30
